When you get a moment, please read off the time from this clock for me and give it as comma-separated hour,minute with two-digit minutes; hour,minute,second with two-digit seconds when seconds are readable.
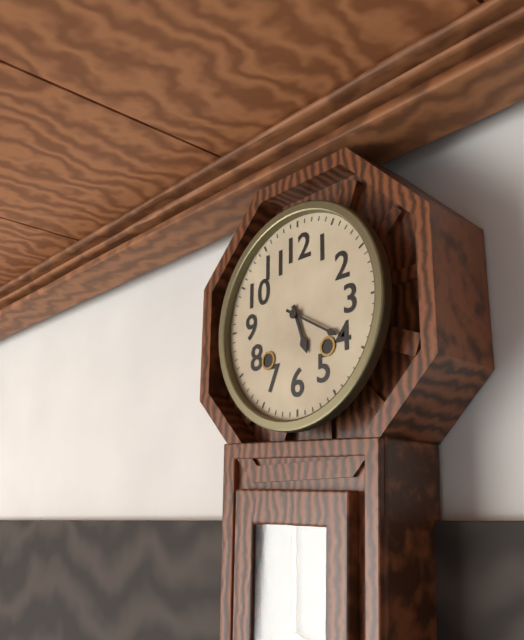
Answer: 5,20
